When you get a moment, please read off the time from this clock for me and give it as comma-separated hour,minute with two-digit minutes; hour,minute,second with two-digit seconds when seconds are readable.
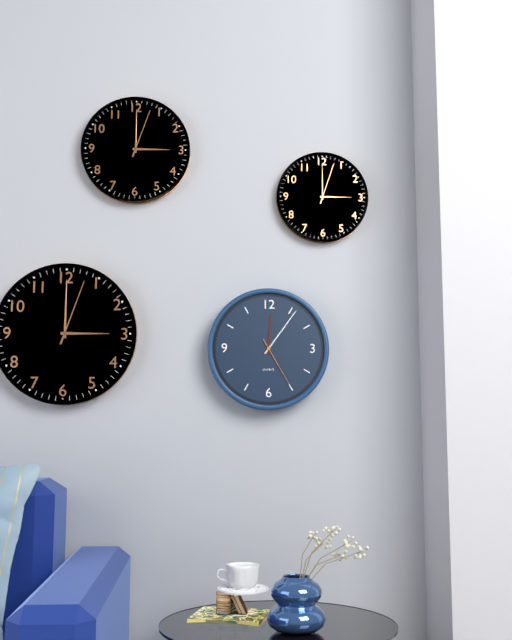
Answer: 12,06,25
